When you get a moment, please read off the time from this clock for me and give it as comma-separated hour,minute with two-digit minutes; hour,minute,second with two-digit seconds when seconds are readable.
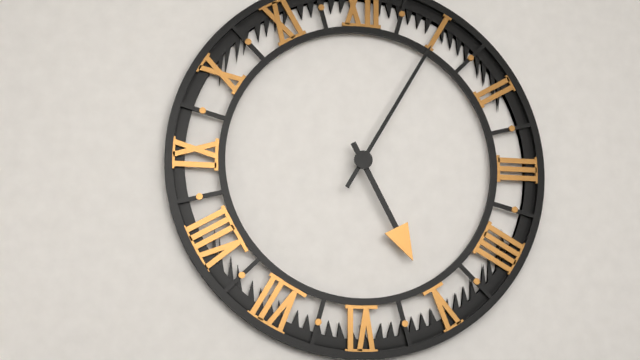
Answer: 5,05
